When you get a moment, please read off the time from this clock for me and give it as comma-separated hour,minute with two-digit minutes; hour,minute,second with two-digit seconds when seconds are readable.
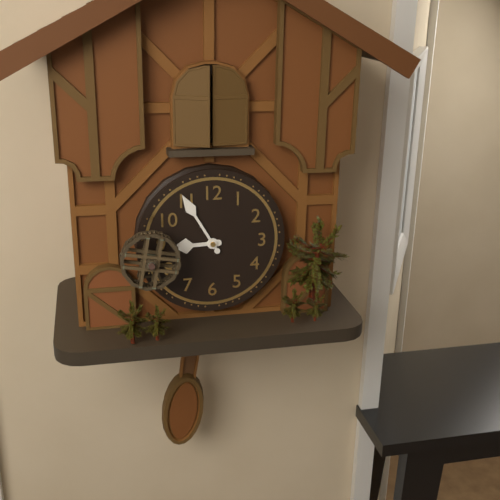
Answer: 8,55
